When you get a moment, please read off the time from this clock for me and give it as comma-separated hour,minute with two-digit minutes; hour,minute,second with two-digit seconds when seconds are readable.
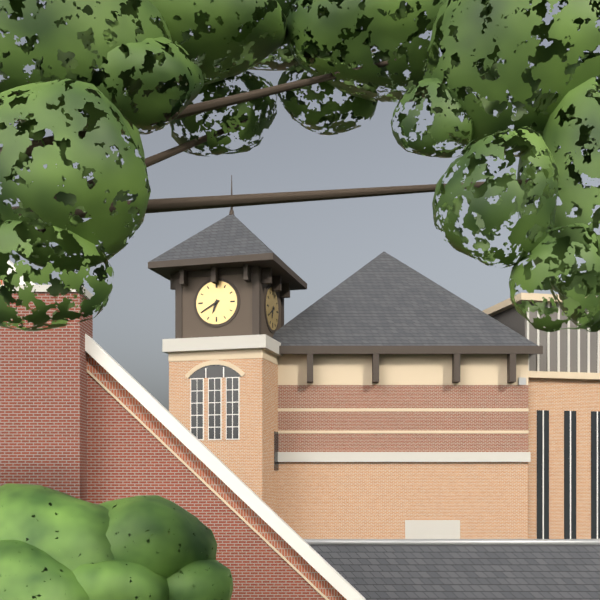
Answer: 6,40
